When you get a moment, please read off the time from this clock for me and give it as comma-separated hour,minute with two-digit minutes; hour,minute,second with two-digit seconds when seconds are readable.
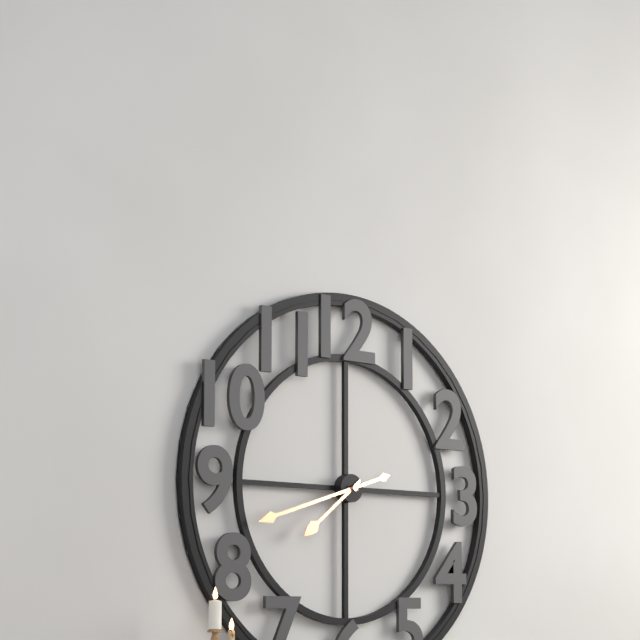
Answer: 7,42
